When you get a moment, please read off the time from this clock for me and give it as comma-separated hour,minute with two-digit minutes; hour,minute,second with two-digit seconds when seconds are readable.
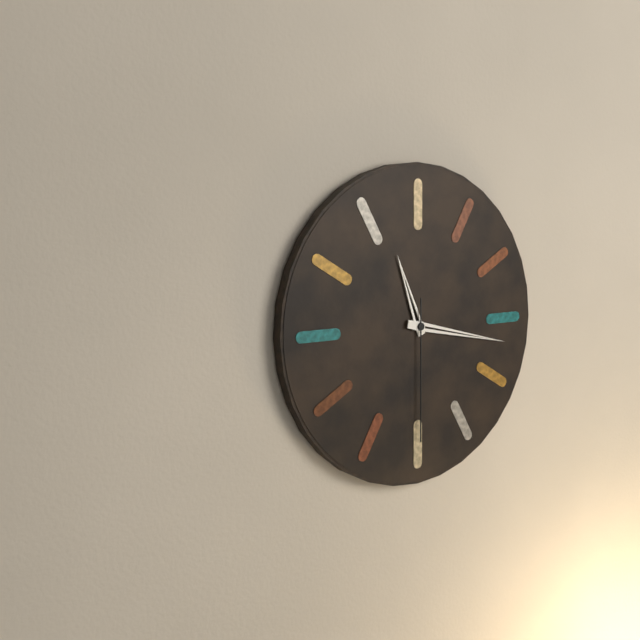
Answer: 11,17,30
